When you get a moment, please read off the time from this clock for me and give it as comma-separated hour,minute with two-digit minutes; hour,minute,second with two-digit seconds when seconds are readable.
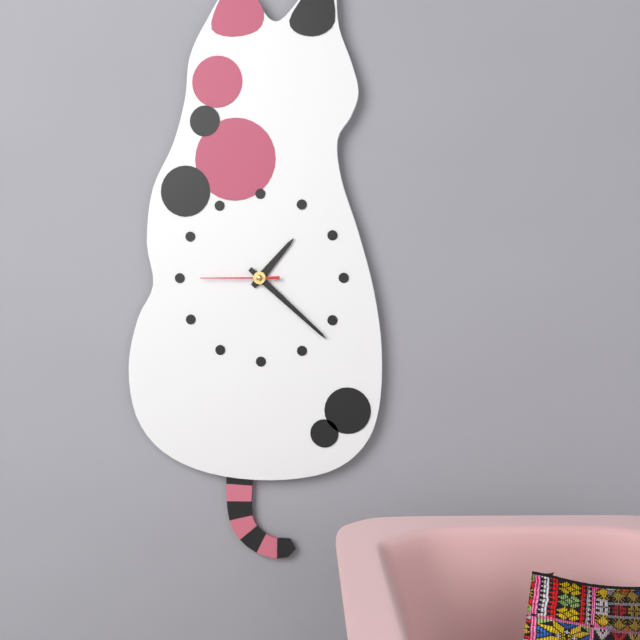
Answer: 1,22,45
